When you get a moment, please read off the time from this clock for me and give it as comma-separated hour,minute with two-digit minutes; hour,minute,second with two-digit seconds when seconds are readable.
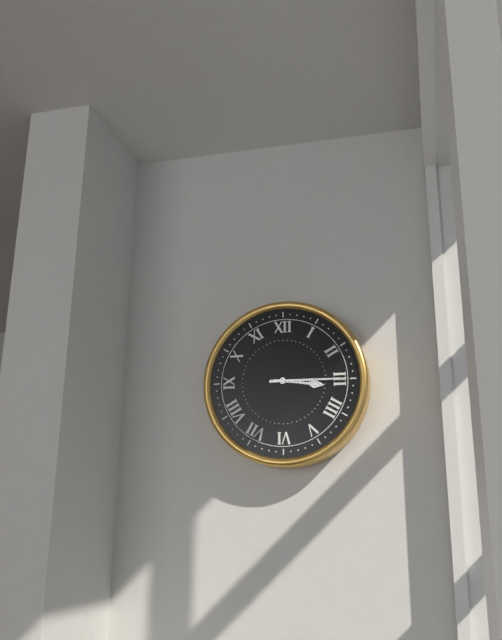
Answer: 3,15
